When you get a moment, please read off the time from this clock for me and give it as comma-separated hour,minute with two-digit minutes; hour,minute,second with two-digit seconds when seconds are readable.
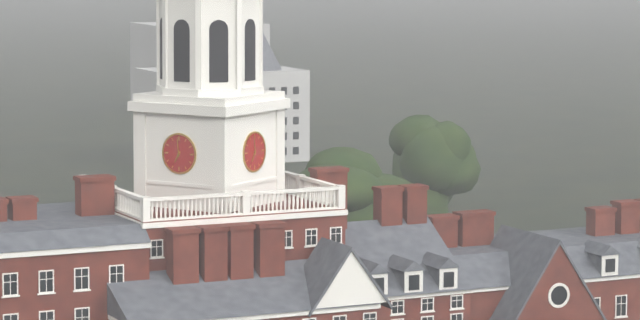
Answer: 6,59
